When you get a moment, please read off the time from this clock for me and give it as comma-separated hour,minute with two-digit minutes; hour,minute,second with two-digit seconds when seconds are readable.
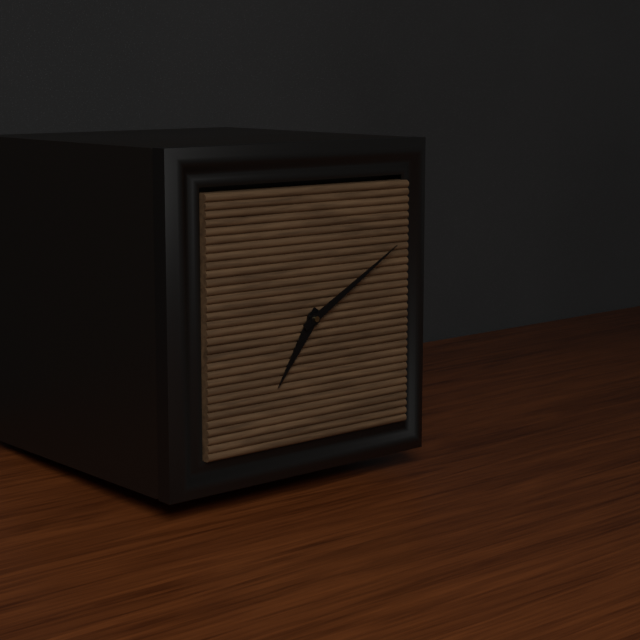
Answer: 7,10
